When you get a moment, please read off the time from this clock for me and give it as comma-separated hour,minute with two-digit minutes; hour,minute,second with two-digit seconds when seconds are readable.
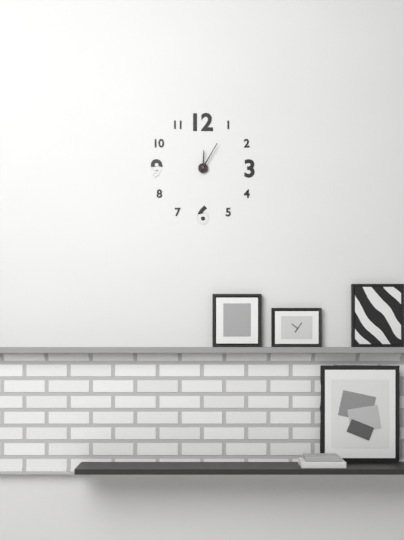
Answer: 12,05
